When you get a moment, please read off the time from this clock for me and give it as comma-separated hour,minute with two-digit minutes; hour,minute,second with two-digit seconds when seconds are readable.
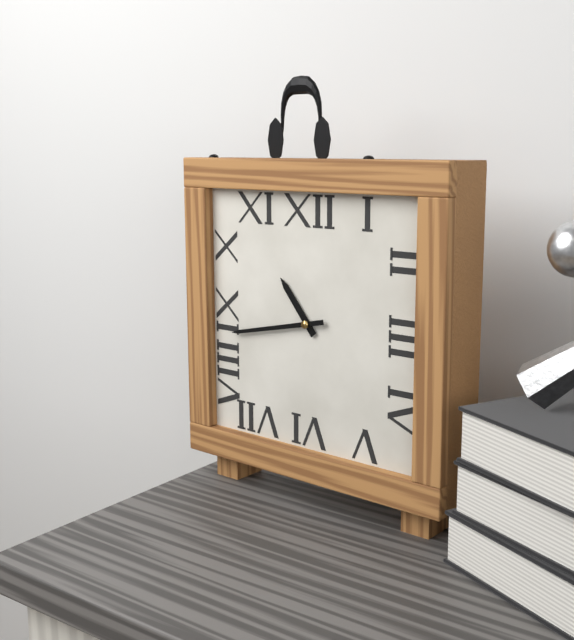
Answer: 10,43
